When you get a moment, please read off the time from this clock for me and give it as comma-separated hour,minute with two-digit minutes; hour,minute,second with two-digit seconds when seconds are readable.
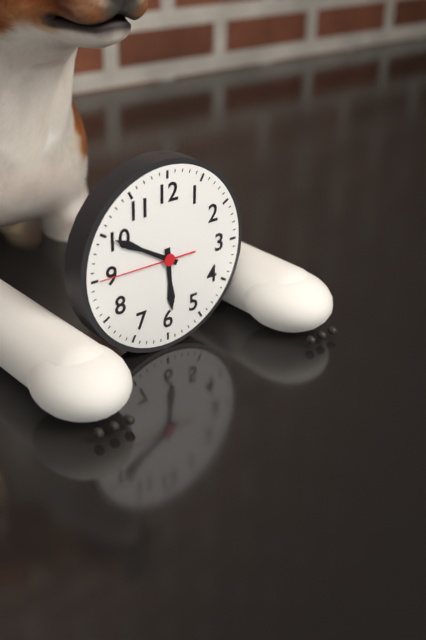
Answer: 5,50,45
